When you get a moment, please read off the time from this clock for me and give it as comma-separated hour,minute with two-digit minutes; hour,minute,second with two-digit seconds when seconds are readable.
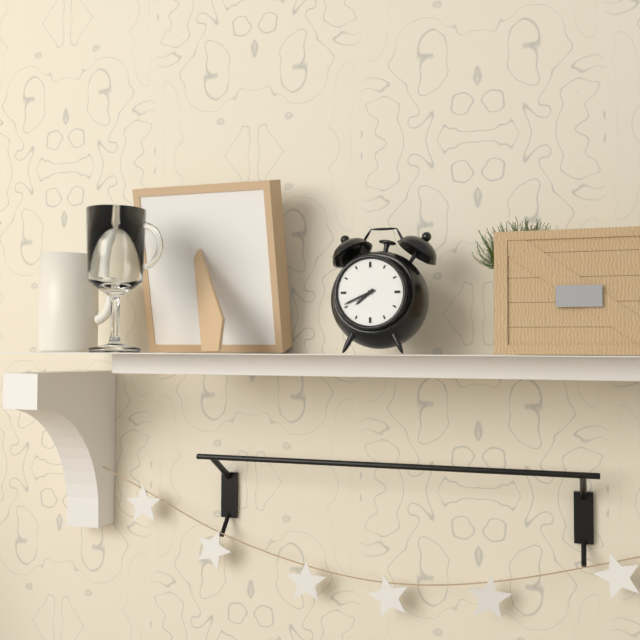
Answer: 7,41
